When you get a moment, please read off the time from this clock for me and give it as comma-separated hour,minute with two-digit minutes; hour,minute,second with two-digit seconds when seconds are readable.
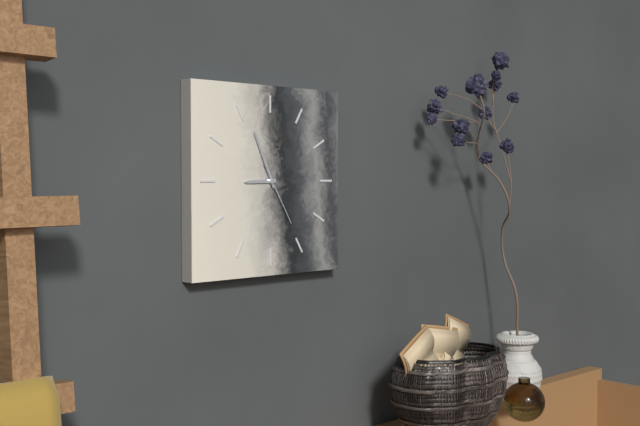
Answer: 8,56,25
